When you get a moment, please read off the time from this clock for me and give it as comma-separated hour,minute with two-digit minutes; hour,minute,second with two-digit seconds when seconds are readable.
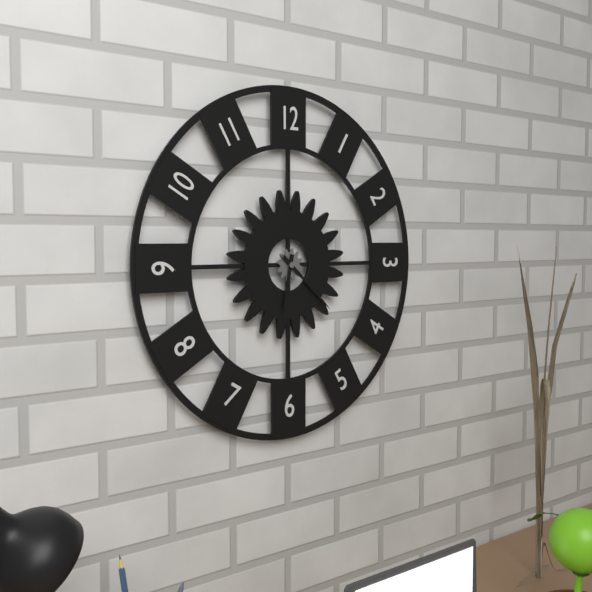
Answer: 6,22
